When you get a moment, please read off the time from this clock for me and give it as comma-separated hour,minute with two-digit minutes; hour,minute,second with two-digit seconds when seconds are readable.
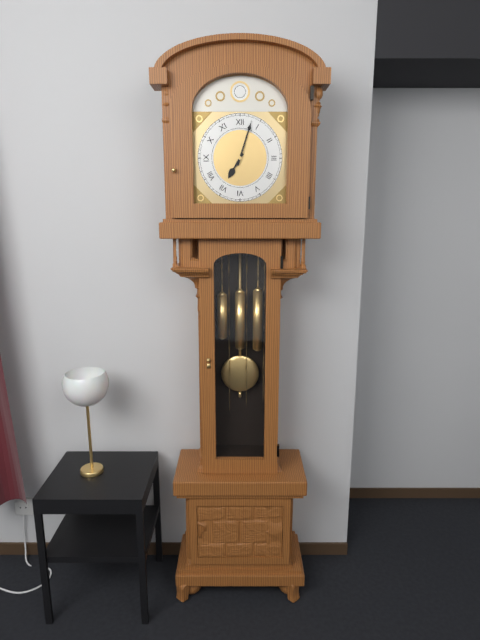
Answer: 7,03
